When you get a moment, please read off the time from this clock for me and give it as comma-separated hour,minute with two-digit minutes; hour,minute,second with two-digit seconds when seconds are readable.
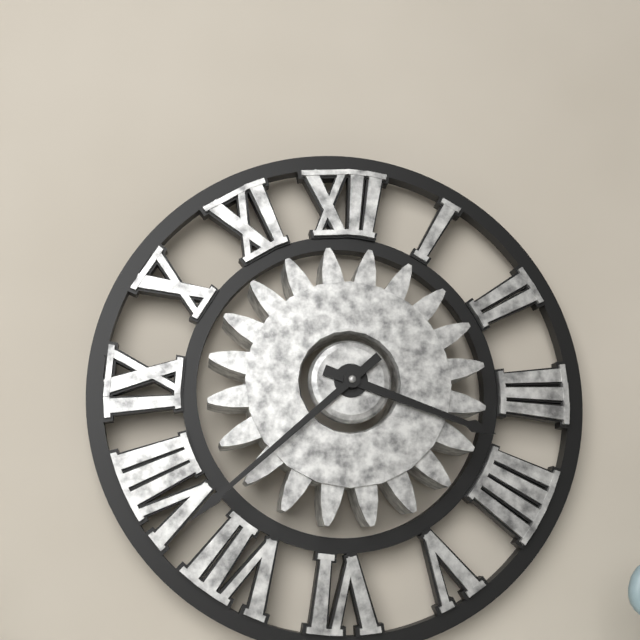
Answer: 3,38
